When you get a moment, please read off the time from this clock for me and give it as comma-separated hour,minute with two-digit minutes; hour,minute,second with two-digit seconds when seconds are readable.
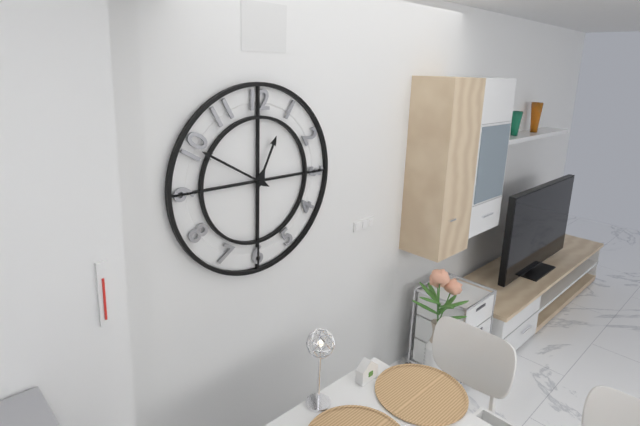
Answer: 12,50
